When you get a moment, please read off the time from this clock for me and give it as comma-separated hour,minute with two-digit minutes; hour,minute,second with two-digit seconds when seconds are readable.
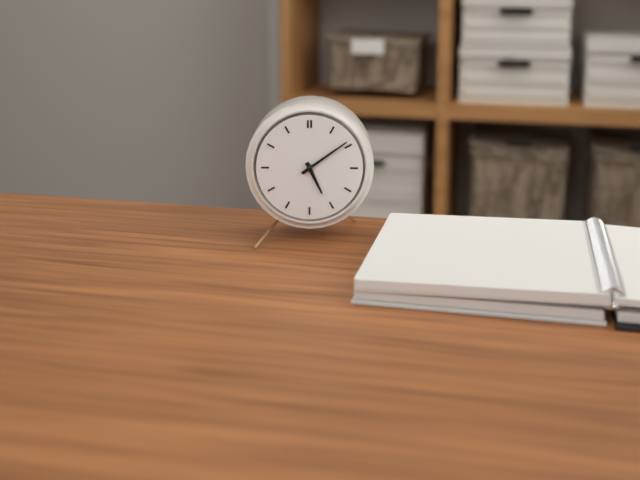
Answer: 5,09
